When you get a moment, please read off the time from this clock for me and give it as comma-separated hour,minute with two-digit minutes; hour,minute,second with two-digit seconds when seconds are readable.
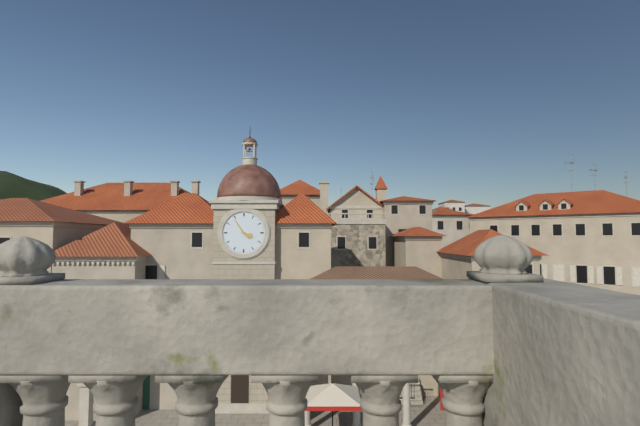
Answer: 3,54
